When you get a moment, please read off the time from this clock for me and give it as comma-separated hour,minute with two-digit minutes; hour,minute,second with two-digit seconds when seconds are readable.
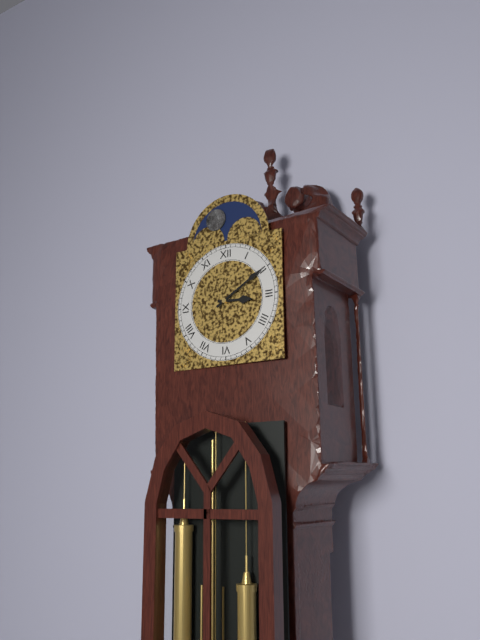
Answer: 3,10
